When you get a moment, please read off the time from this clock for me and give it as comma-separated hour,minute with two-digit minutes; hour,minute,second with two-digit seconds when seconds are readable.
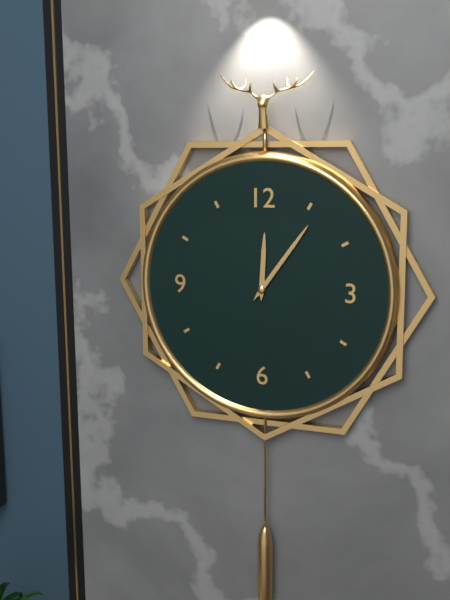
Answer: 12,06
